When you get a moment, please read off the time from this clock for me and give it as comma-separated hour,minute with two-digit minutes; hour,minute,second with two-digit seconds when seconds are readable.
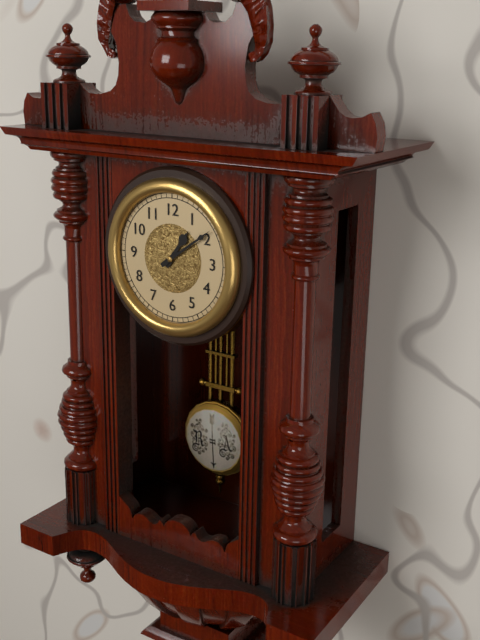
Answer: 1,09
